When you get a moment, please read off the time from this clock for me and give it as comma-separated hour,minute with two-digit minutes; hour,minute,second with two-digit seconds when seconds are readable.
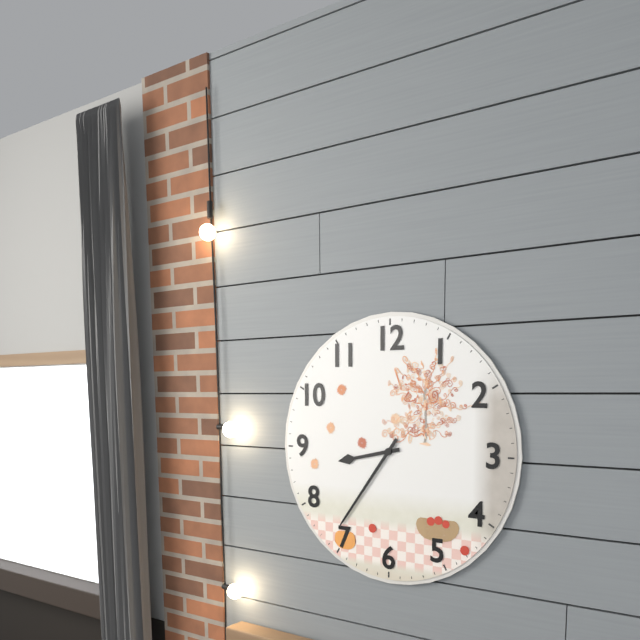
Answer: 8,36
